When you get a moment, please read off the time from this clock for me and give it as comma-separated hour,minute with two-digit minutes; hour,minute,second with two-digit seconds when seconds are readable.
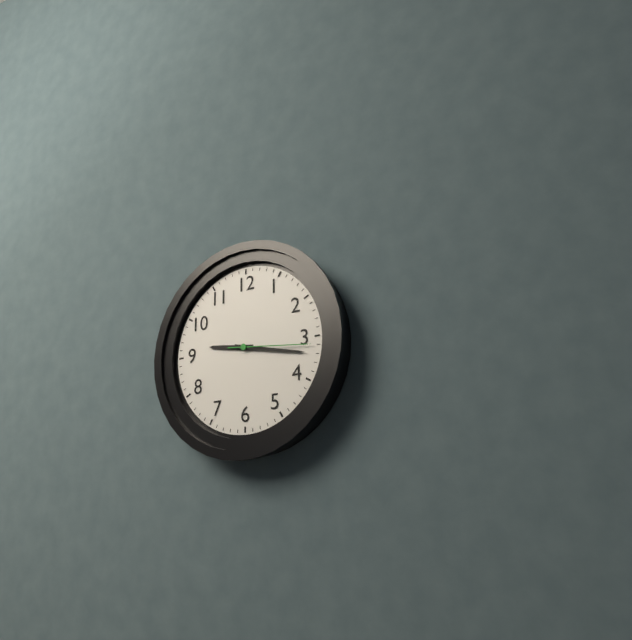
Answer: 9,17,16
